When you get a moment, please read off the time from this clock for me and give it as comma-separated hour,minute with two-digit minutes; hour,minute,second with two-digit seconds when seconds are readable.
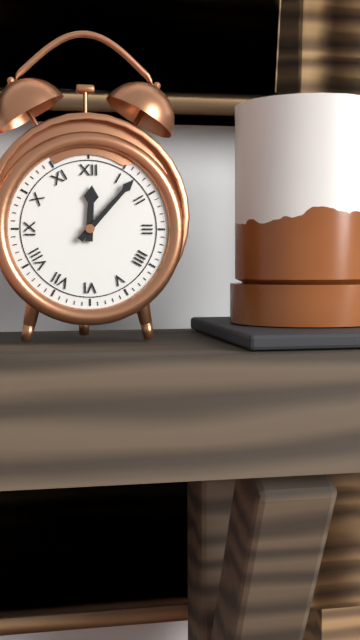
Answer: 12,07
